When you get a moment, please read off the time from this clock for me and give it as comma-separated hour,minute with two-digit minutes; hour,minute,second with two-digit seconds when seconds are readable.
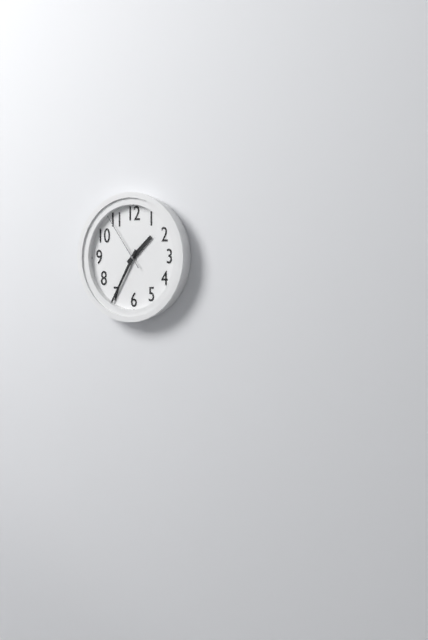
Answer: 1,35,54
